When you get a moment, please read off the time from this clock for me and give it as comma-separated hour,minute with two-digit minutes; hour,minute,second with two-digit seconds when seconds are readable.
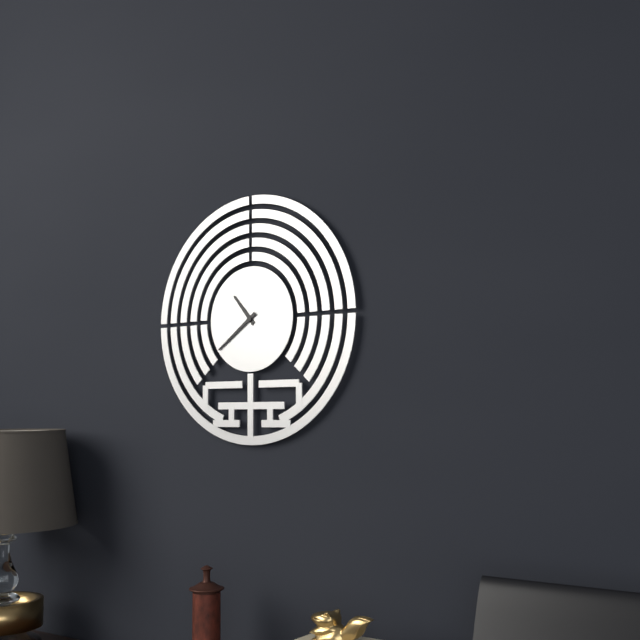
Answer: 10,39
